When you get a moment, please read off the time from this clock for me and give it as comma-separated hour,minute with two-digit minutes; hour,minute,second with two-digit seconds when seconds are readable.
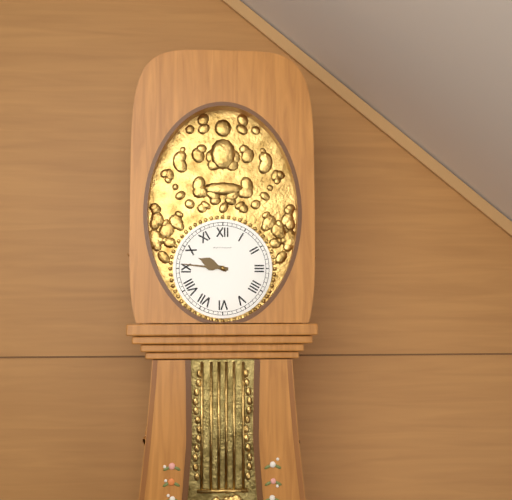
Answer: 9,46
